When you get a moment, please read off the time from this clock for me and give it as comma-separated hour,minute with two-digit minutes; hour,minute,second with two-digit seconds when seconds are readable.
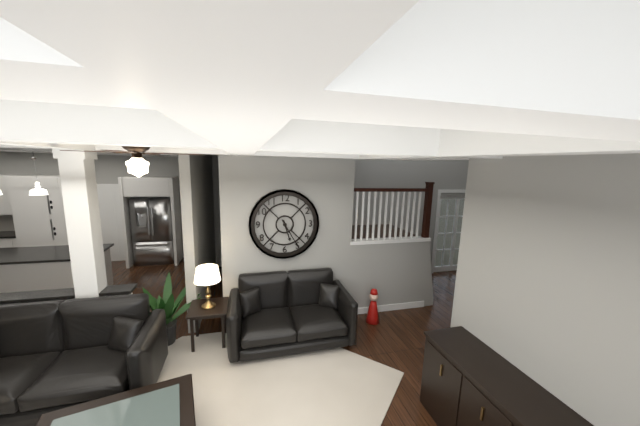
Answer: 5,25
